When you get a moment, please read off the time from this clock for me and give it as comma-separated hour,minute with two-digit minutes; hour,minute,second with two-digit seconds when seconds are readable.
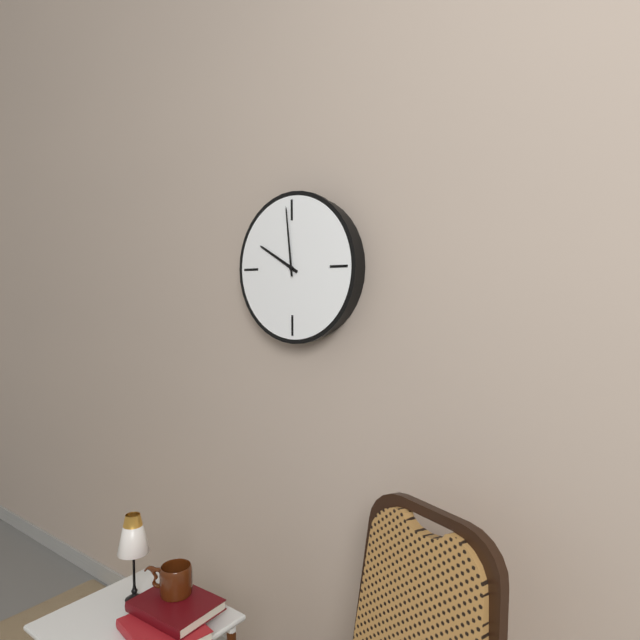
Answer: 9,59
